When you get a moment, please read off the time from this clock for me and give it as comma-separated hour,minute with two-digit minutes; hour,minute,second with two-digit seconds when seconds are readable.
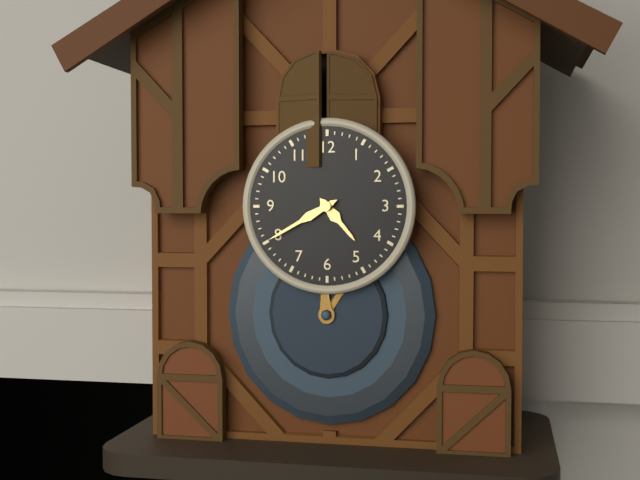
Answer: 4,40
